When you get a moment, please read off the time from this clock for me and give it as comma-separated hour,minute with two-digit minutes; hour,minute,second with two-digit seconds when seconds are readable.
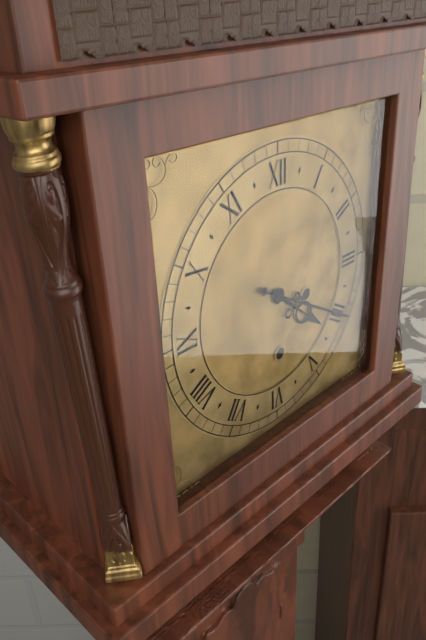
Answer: 4,20
